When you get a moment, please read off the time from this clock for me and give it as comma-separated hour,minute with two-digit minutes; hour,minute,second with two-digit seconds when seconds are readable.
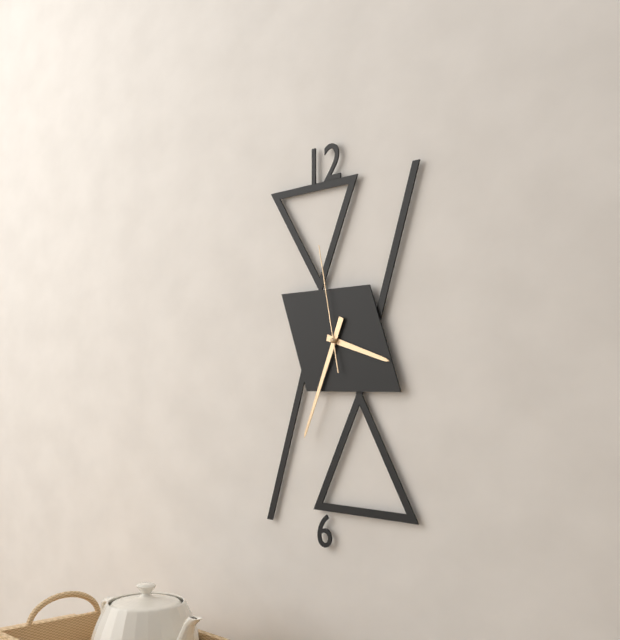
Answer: 3,34,58
